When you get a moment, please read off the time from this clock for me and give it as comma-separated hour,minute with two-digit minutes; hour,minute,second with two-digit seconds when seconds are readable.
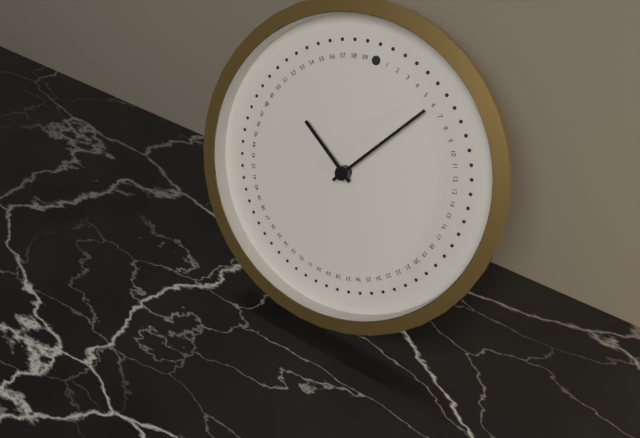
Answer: 10,06
